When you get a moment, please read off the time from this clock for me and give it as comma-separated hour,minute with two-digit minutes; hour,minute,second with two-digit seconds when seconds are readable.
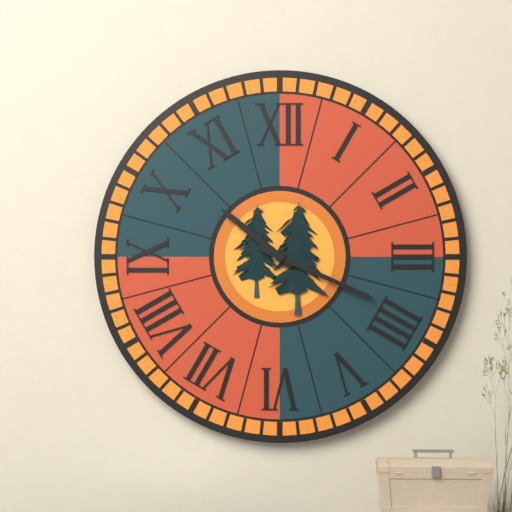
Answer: 10,19
